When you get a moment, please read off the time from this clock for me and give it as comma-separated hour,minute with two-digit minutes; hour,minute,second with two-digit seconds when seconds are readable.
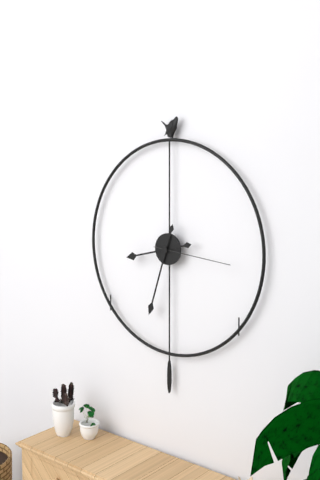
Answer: 8,33,16
